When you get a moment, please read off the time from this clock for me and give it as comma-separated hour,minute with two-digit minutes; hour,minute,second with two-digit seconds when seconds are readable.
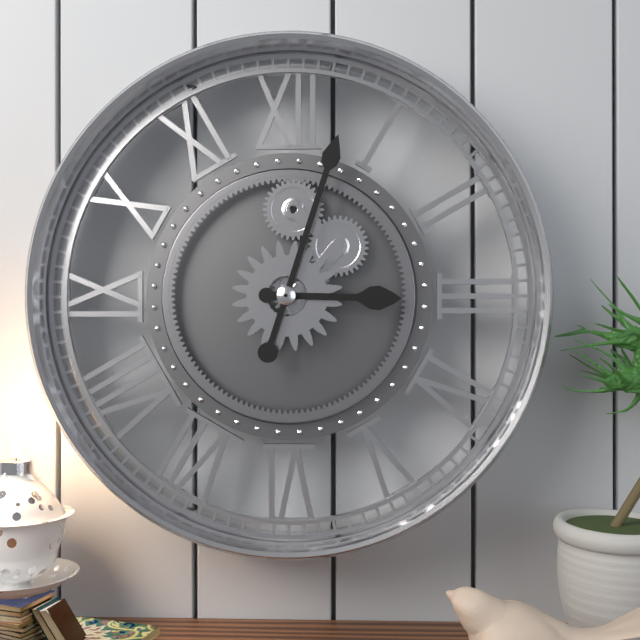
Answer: 3,03
